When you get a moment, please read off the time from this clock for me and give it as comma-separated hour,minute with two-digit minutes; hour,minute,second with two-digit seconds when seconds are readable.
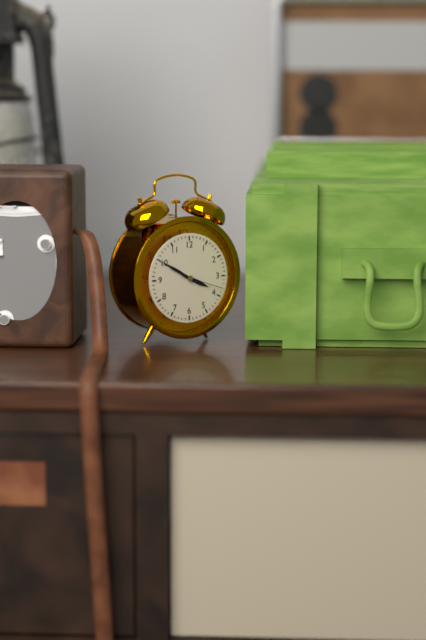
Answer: 3,50
